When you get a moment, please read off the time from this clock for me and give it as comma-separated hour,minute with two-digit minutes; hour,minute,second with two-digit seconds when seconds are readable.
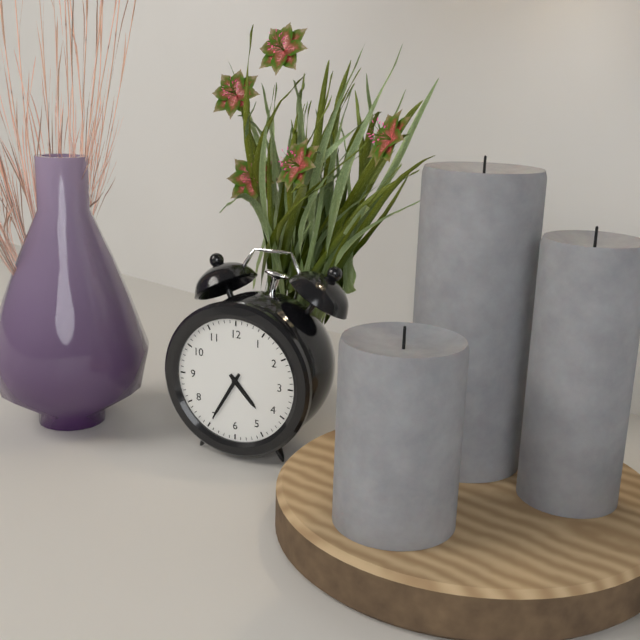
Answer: 4,35
